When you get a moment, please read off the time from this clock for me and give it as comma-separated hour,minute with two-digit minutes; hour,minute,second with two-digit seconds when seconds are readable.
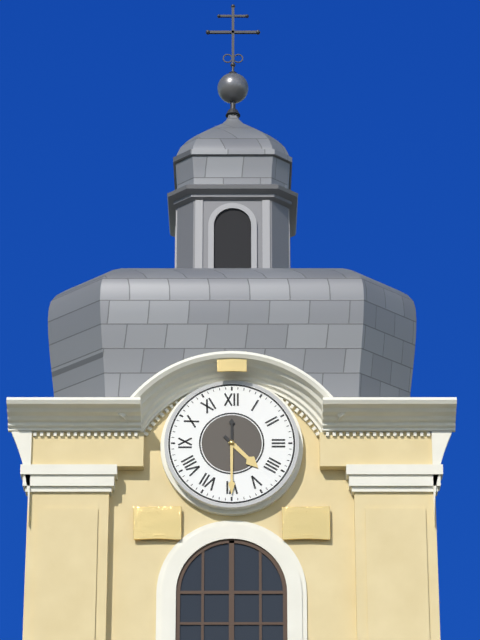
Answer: 4,30
